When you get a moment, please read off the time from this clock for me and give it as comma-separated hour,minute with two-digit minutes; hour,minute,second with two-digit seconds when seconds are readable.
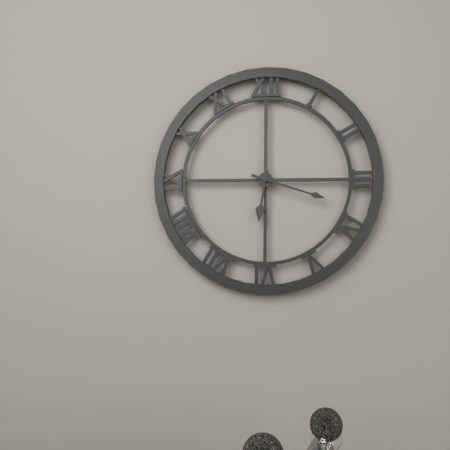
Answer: 6,18
